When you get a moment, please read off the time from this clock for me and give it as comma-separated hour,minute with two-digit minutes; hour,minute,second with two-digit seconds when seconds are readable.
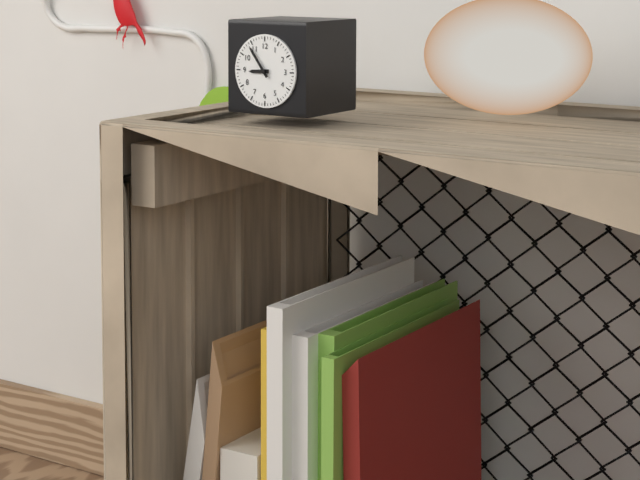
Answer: 8,54
